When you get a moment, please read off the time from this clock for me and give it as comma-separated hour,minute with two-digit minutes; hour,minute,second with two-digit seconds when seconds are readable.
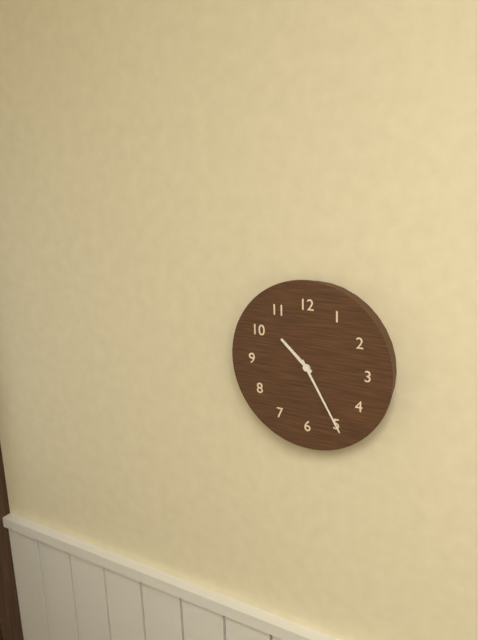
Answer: 10,25
